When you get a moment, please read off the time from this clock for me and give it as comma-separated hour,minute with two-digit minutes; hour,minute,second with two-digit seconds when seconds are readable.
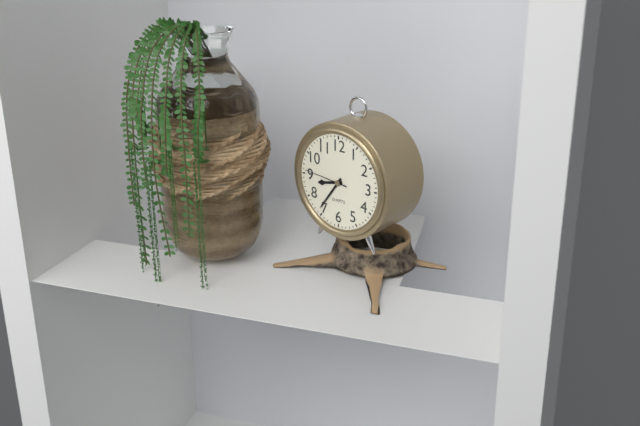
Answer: 8,36
